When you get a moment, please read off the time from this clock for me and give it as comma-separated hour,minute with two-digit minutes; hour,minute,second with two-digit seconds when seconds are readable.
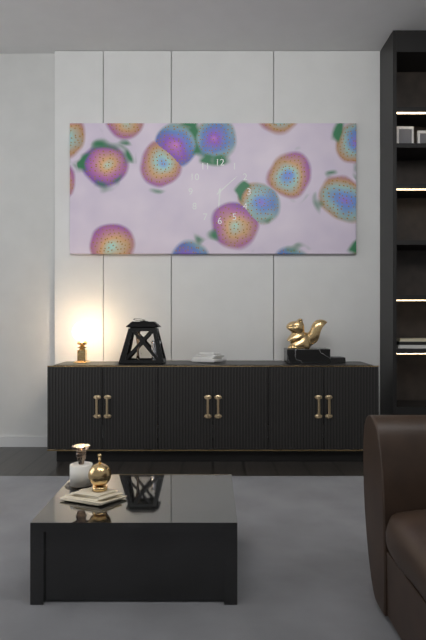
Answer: 6,08
